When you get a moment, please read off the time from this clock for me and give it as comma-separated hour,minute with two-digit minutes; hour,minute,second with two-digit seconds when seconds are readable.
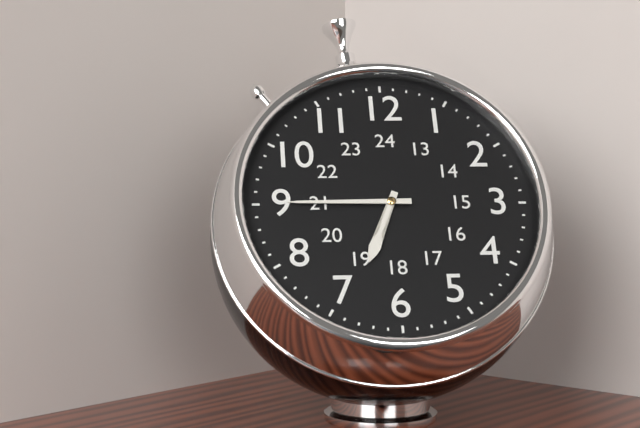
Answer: 6,45
